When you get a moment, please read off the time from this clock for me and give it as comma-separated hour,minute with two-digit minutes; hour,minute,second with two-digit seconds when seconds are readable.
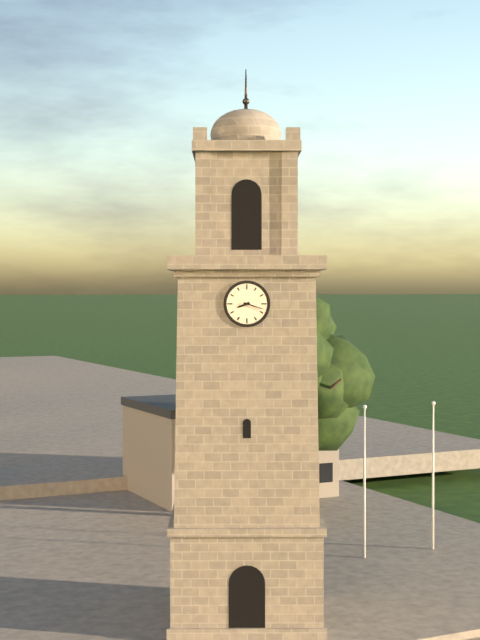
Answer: 8,18
